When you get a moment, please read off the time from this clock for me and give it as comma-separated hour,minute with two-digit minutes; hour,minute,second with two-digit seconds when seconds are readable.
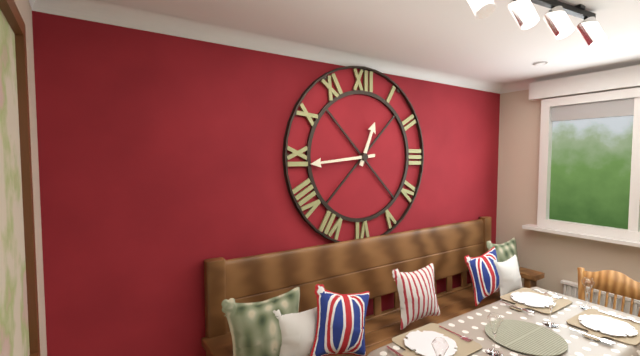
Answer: 12,44
